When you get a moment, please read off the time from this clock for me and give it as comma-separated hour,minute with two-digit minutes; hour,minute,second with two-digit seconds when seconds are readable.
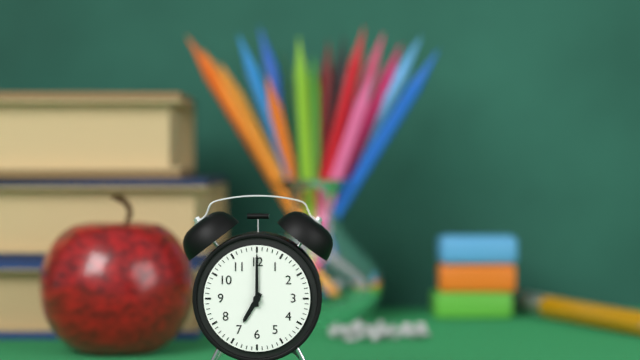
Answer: 7,00
